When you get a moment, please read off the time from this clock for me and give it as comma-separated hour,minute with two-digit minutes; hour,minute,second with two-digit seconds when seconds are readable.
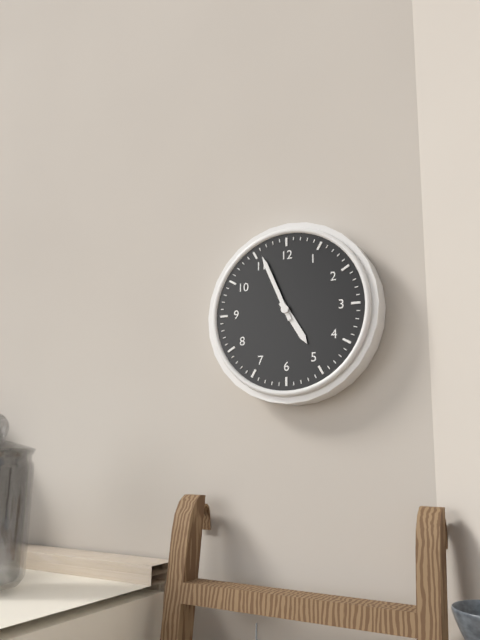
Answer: 4,56
